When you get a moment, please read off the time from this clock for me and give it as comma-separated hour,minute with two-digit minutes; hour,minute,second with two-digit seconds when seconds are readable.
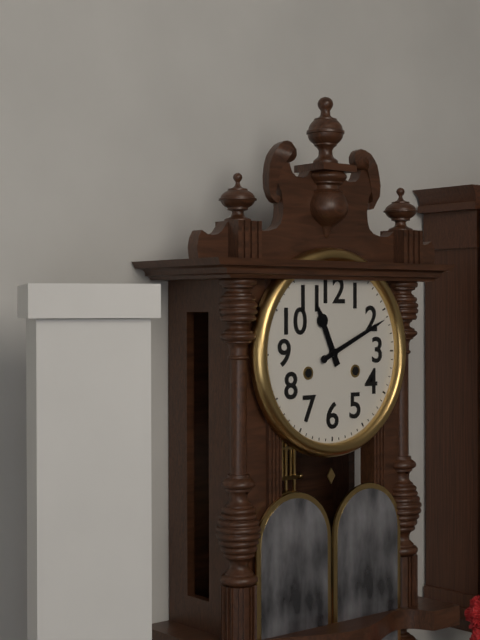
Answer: 11,11
